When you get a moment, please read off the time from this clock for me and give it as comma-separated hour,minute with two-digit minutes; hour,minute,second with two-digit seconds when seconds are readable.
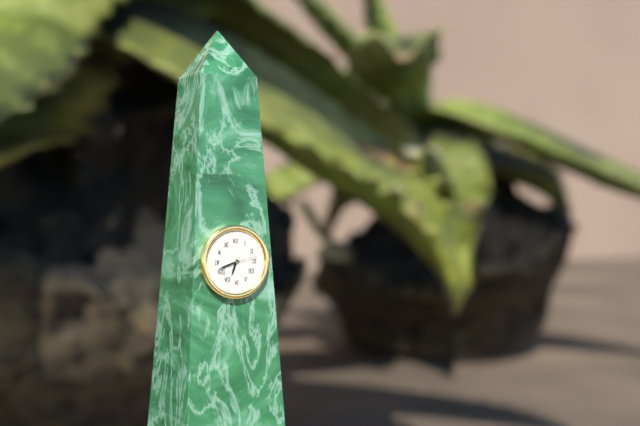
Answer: 6,42
